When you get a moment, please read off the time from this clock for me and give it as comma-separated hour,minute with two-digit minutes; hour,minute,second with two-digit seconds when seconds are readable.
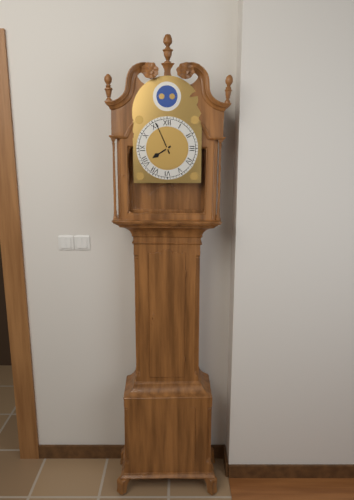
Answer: 7,56
